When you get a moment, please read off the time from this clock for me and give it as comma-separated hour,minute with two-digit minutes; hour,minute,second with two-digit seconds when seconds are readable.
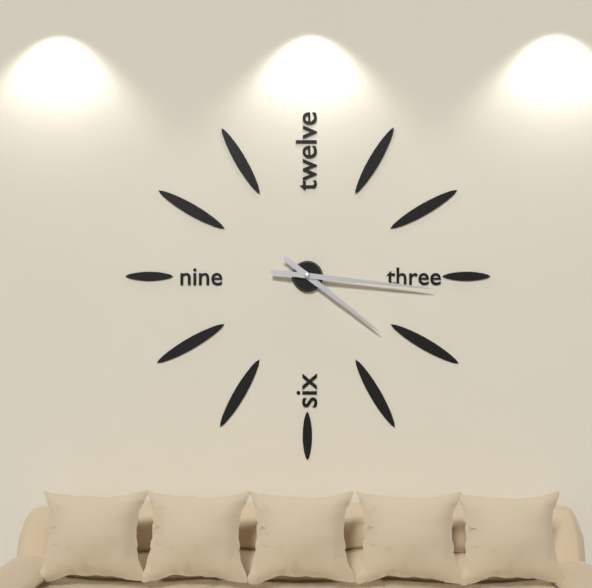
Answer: 4,16
